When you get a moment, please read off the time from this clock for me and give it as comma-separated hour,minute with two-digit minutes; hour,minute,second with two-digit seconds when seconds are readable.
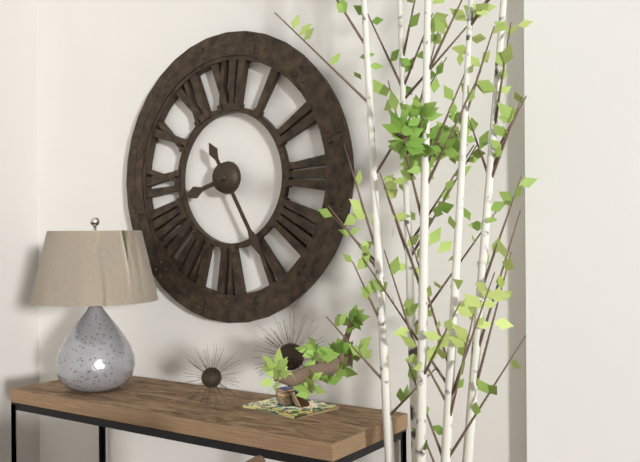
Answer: 8,25
